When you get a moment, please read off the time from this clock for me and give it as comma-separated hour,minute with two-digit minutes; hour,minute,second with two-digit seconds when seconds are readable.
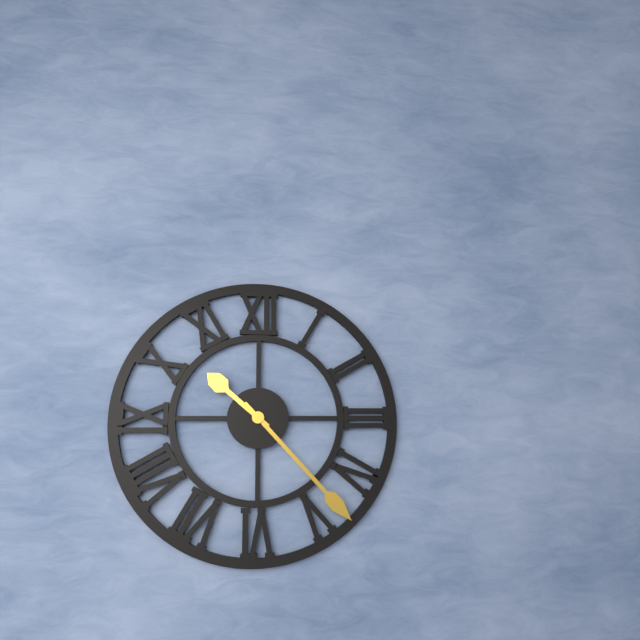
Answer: 10,23
